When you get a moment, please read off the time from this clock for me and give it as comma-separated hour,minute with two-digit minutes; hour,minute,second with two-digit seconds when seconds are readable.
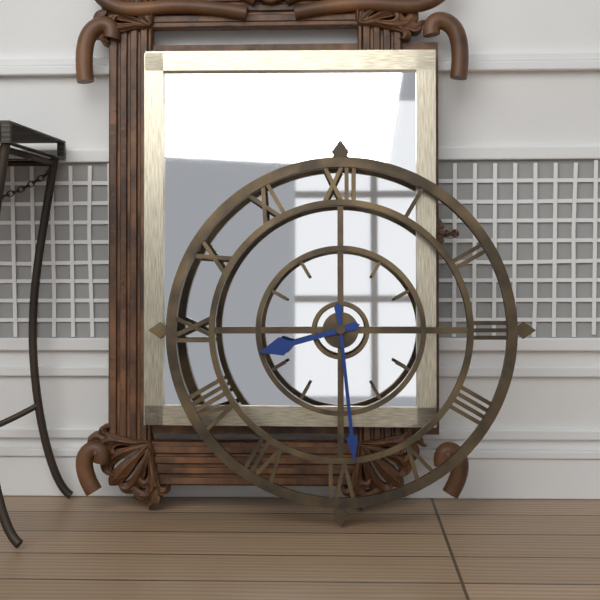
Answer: 8,29
